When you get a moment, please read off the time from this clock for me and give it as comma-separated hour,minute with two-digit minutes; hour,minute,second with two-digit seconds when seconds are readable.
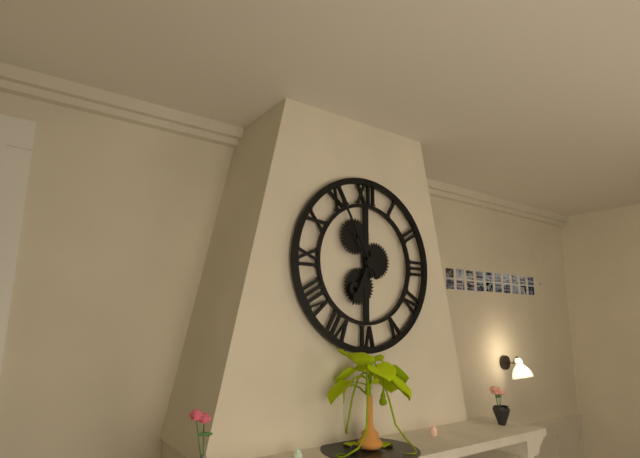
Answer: 6,55
